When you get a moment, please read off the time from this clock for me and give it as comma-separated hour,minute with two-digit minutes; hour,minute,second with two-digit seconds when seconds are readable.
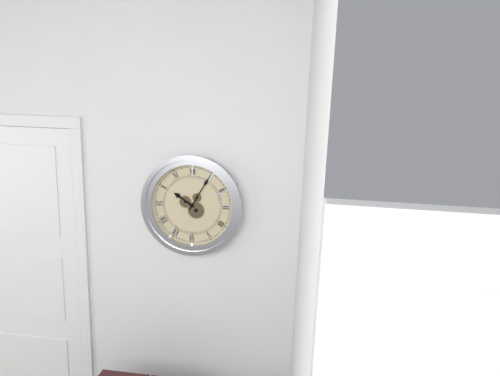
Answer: 10,05
